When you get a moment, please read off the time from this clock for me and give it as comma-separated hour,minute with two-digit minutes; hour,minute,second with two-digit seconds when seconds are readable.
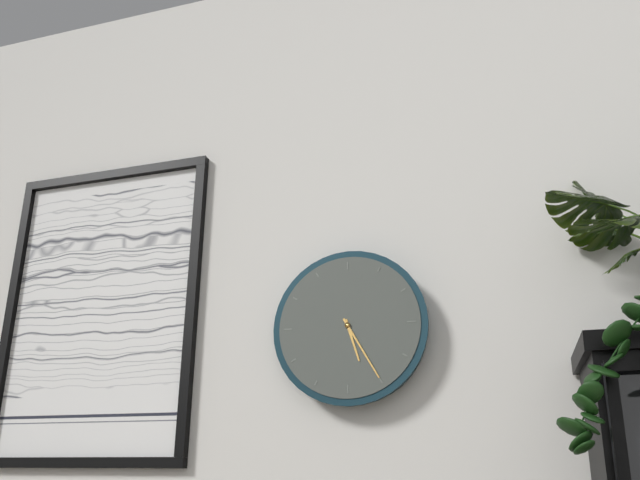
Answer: 5,25
